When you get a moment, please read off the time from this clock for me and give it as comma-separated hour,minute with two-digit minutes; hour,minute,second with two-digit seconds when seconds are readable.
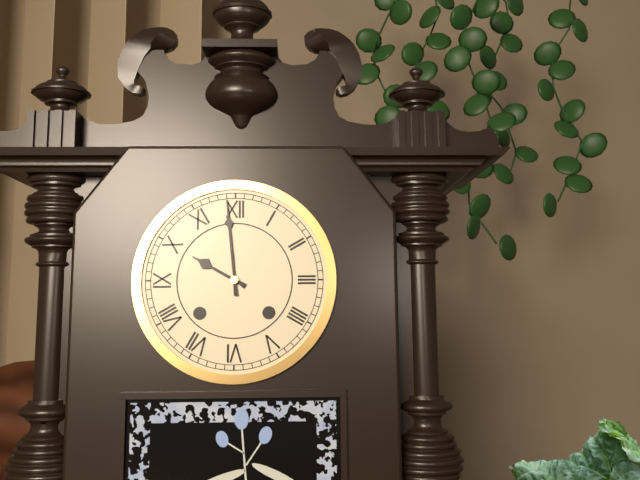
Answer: 9,59
